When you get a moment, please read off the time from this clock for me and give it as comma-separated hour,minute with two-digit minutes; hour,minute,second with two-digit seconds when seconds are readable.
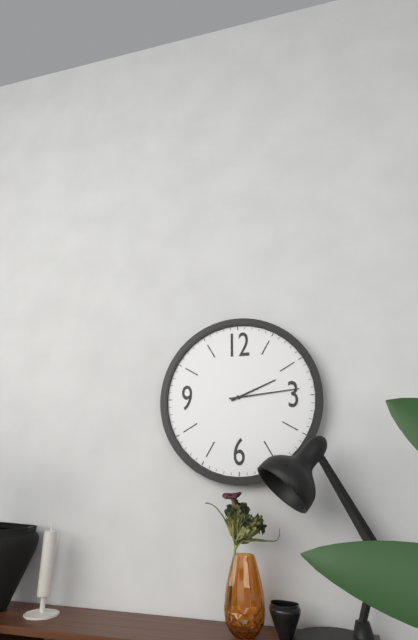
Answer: 2,14
